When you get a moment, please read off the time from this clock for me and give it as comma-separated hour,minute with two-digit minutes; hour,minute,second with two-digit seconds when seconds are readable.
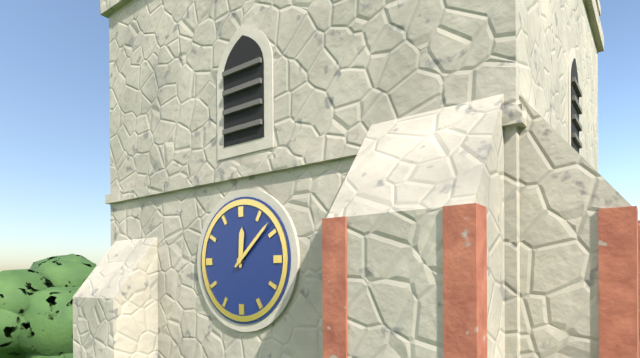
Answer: 12,08
